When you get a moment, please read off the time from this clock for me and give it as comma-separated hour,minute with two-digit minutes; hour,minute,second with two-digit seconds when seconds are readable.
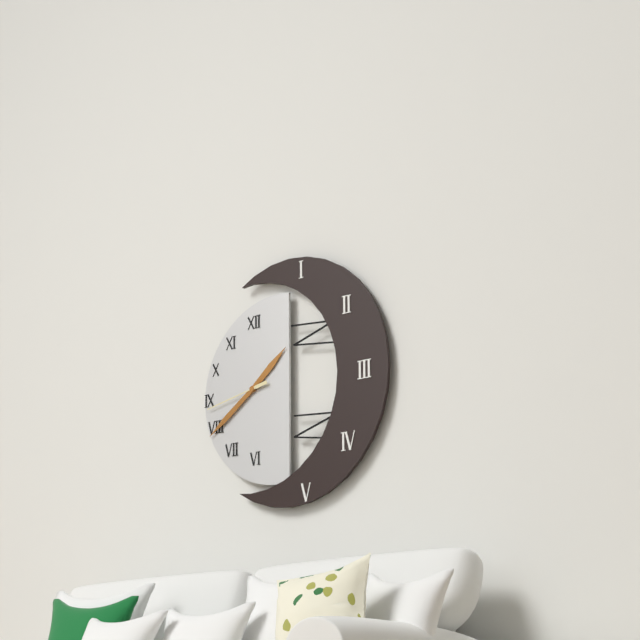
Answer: 1,39,43
